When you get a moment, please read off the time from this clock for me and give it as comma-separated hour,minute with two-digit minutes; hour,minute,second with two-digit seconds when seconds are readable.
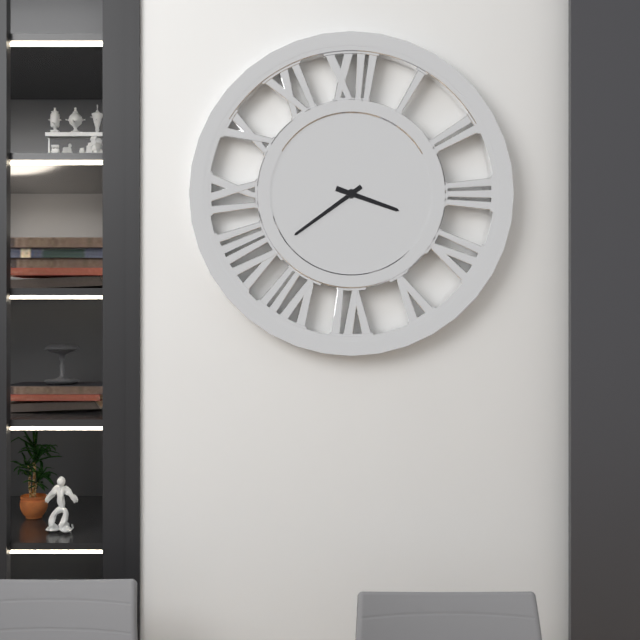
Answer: 3,39
